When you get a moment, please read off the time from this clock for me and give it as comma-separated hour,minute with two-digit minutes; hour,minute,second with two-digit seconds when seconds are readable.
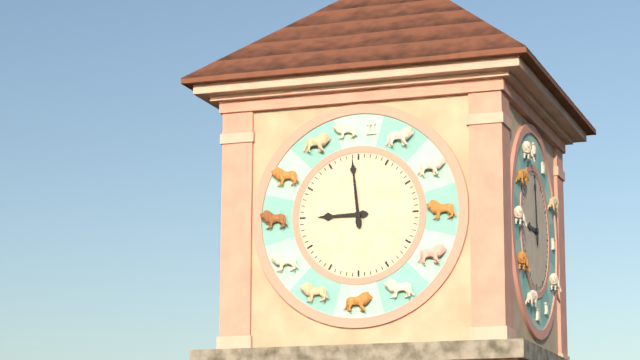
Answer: 8,59
